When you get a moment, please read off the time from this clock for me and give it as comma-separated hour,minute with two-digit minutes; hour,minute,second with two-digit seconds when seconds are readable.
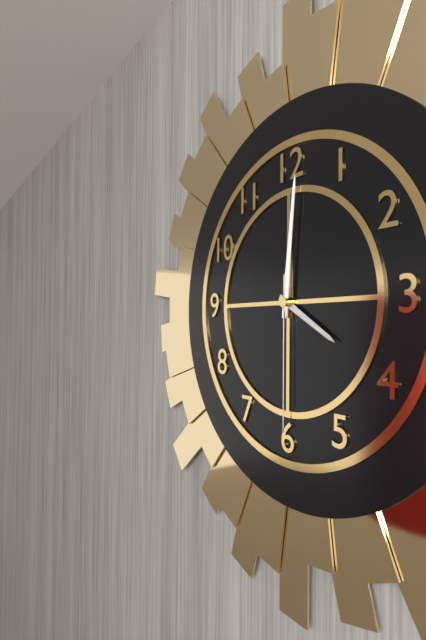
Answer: 4,01,30
